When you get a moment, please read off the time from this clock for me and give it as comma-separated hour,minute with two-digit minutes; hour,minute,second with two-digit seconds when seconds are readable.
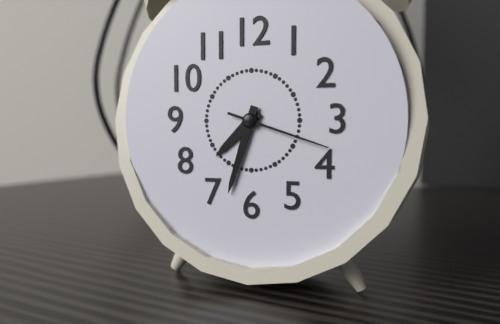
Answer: 7,33,18
